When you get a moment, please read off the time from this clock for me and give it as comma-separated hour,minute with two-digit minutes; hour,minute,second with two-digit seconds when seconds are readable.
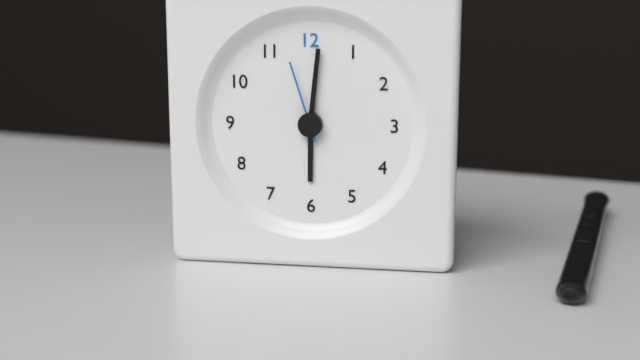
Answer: 6,01,57
